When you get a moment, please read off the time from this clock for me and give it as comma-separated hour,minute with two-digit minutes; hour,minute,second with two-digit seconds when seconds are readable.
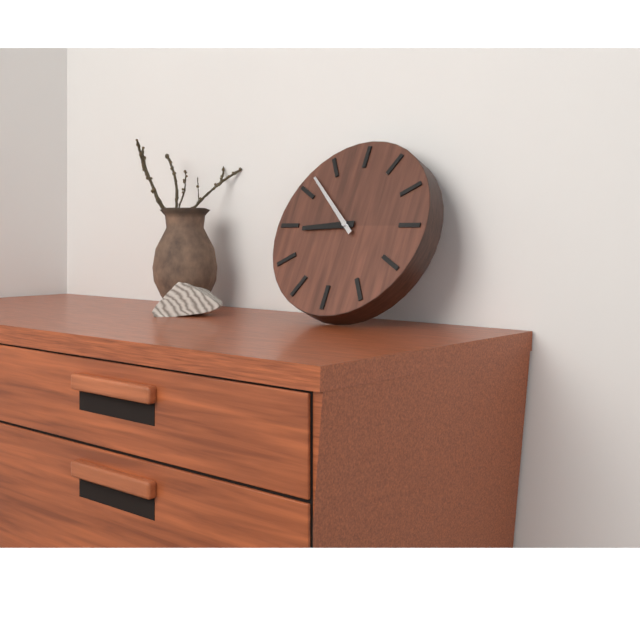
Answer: 8,52
